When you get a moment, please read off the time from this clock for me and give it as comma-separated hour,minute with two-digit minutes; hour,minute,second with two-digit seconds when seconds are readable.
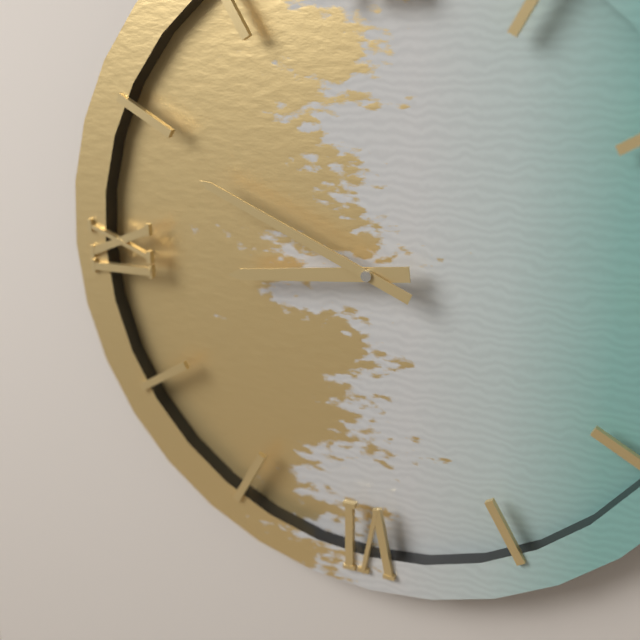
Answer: 8,49
